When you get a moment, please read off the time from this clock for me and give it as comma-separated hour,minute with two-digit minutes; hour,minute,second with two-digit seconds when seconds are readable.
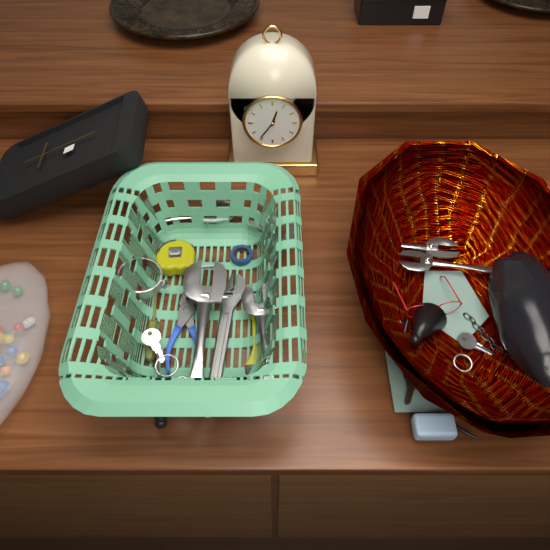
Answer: 12,36
